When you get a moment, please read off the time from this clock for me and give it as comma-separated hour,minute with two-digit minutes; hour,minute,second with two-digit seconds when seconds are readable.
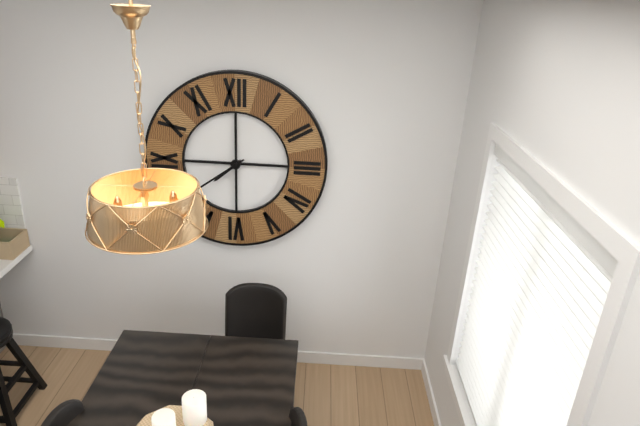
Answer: 7,39
